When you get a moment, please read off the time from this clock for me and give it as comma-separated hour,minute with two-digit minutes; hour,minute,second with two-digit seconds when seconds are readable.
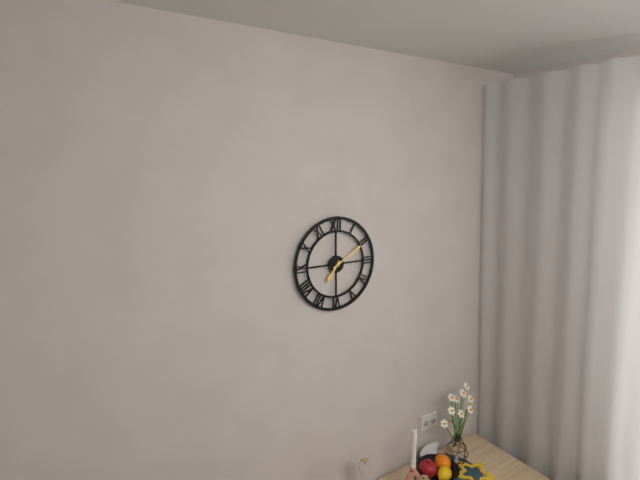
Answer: 7,10
